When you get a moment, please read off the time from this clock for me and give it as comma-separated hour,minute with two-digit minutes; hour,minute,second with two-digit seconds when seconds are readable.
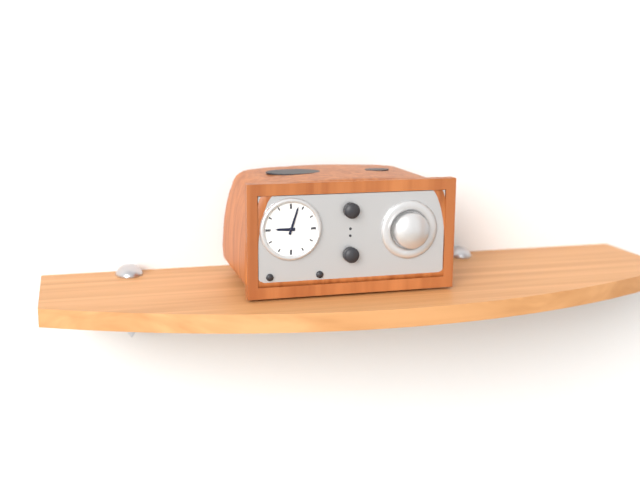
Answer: 9,03
